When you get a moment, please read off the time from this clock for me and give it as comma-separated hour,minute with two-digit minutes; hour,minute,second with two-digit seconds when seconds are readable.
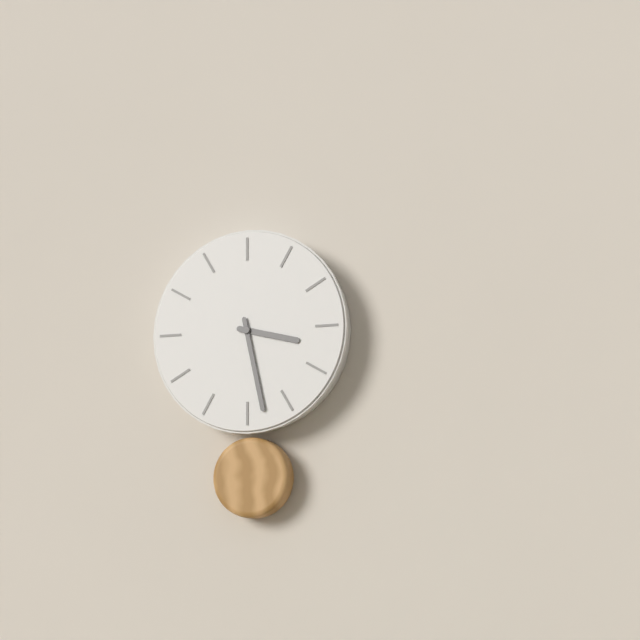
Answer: 3,28
